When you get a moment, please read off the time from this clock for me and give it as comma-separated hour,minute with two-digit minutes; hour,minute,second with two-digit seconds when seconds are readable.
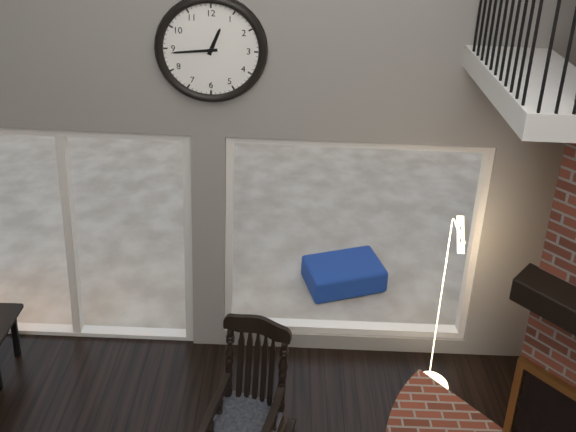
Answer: 12,44
